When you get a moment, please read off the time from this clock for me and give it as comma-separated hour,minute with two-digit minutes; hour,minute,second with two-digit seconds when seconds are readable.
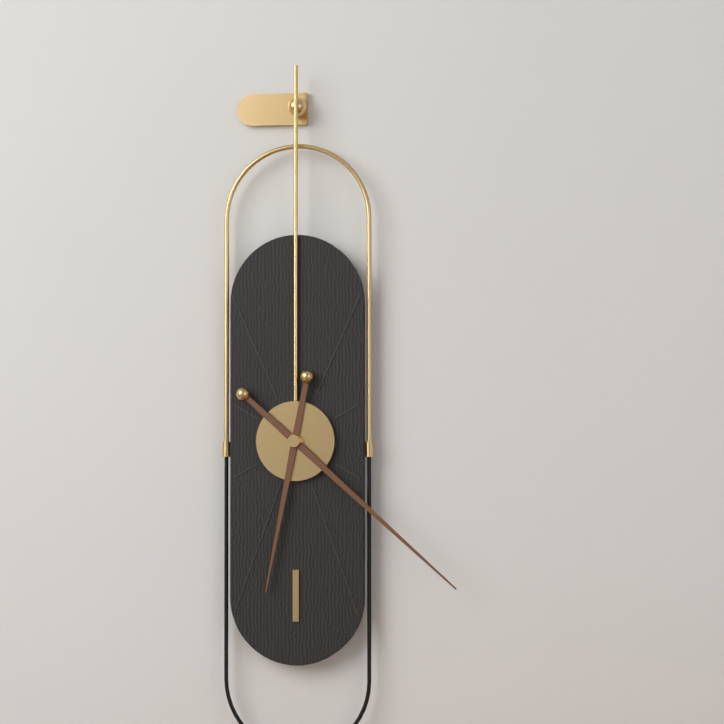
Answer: 6,22
